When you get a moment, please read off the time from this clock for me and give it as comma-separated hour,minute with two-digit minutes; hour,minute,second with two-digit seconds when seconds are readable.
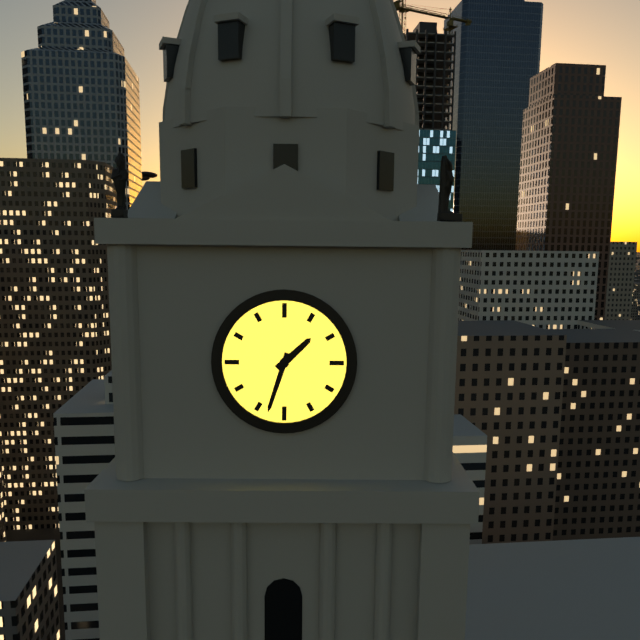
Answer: 1,33
